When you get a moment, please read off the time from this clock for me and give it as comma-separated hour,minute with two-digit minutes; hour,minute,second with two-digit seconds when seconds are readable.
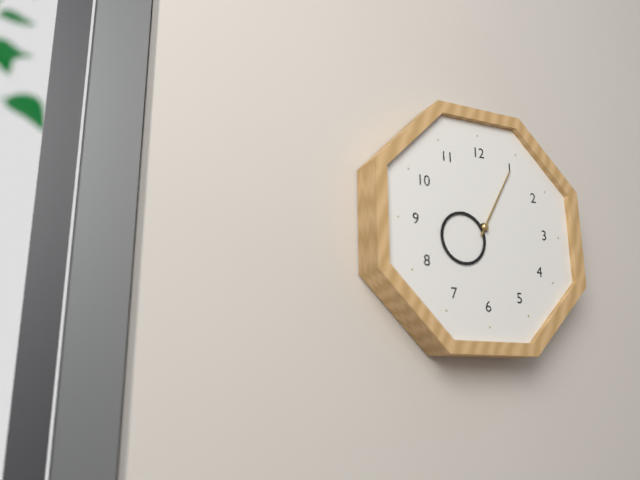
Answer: 8,05
